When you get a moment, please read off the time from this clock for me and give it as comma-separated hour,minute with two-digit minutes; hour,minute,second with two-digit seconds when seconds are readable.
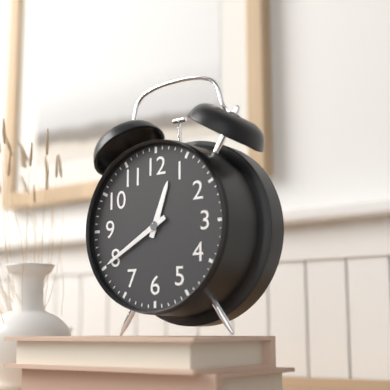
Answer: 12,40
